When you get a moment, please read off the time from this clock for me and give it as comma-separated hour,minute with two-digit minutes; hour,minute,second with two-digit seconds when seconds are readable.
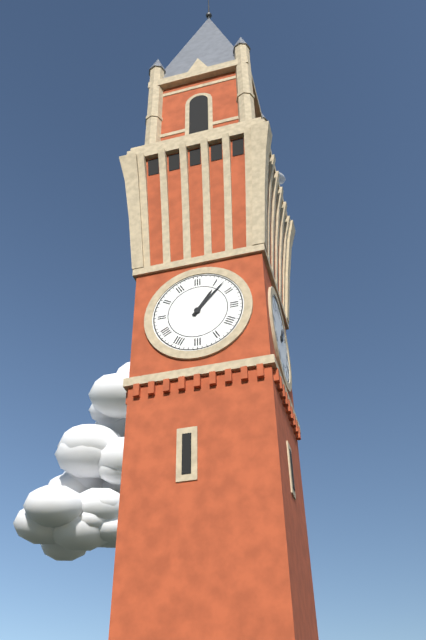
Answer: 1,07
